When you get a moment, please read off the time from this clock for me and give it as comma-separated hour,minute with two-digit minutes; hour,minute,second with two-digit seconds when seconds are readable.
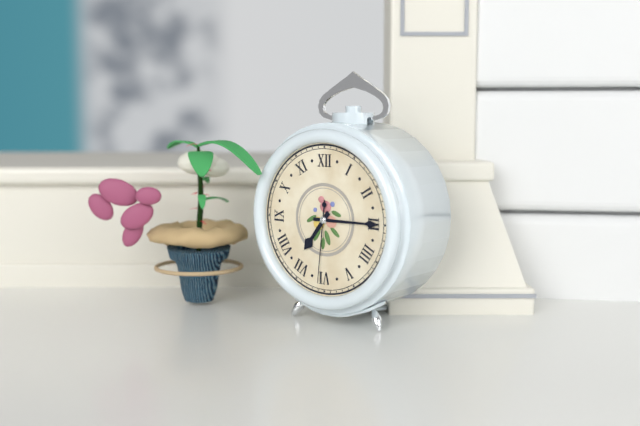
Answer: 7,15,31
